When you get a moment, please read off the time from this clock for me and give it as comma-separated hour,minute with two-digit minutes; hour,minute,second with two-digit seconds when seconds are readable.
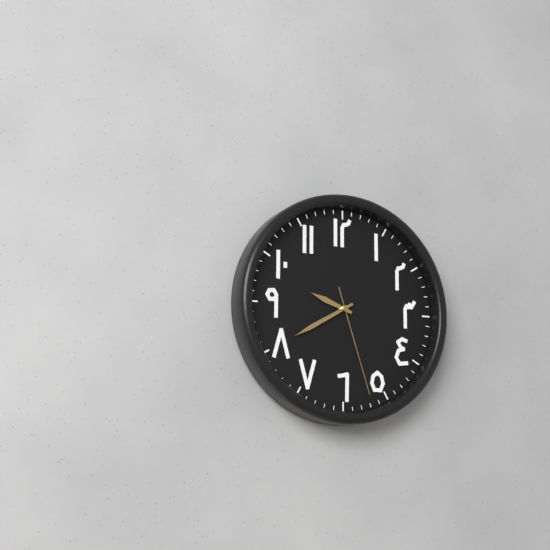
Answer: 9,40,27
